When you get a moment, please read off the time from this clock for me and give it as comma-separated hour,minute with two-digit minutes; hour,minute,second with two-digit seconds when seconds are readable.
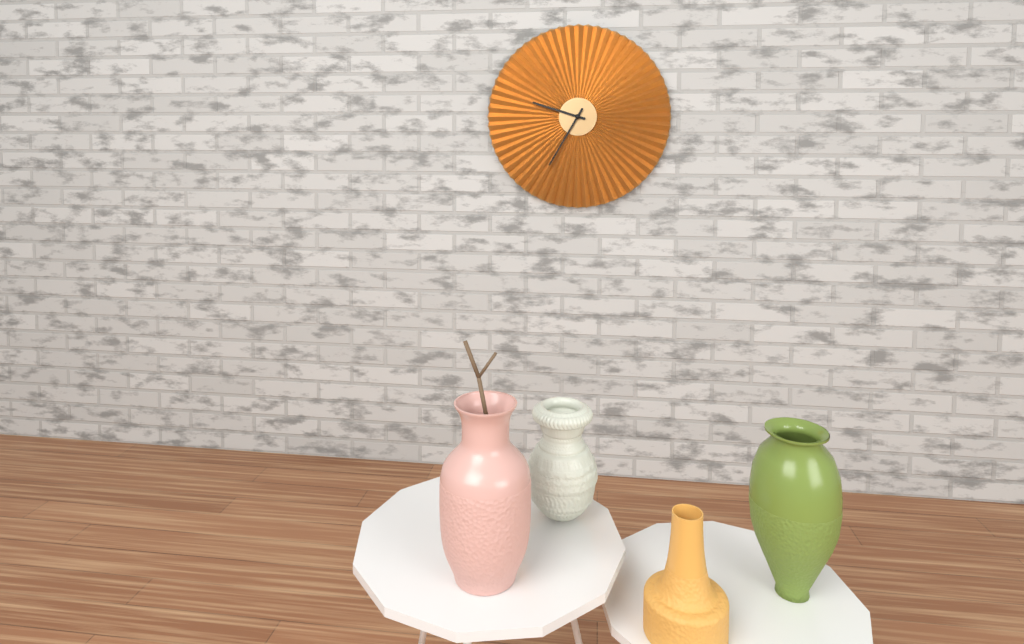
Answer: 9,35
